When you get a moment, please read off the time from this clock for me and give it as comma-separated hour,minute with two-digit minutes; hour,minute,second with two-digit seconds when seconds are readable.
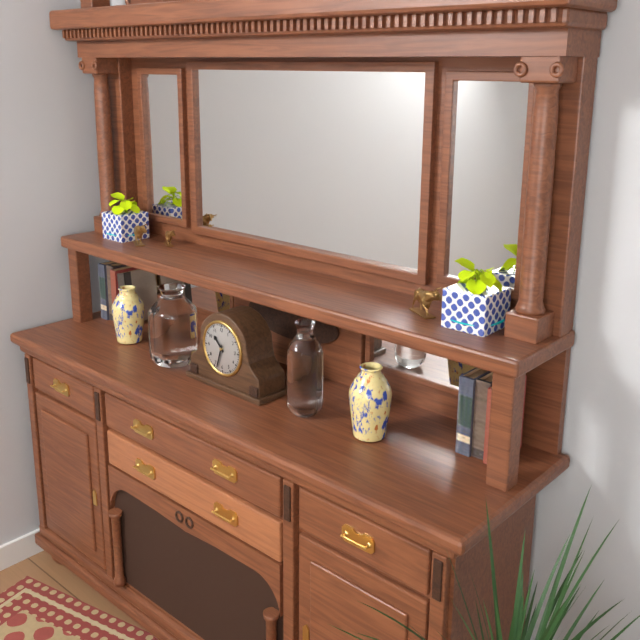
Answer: 10,33
